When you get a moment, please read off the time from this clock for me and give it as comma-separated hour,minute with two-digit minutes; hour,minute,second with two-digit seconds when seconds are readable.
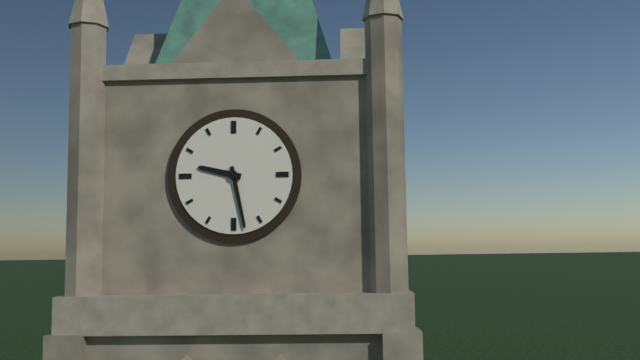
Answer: 9,28
